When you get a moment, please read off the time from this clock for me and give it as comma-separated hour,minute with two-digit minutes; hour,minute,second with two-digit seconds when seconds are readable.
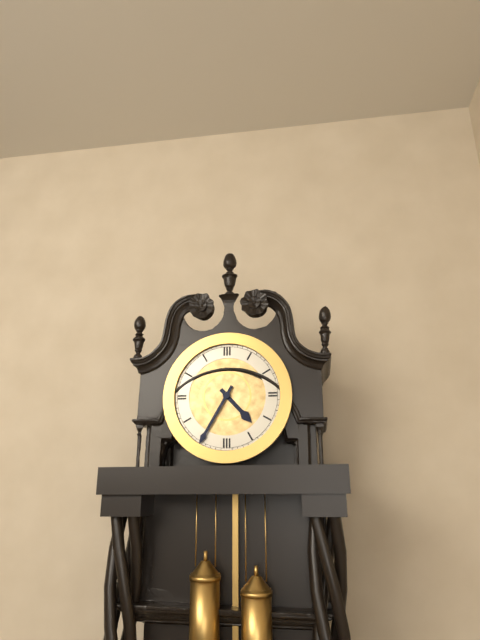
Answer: 4,35
